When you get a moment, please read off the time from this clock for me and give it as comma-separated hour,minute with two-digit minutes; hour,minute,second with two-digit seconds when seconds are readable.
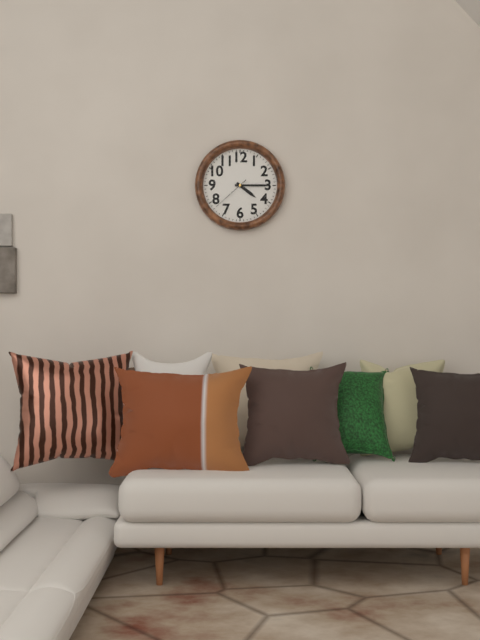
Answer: 4,15
